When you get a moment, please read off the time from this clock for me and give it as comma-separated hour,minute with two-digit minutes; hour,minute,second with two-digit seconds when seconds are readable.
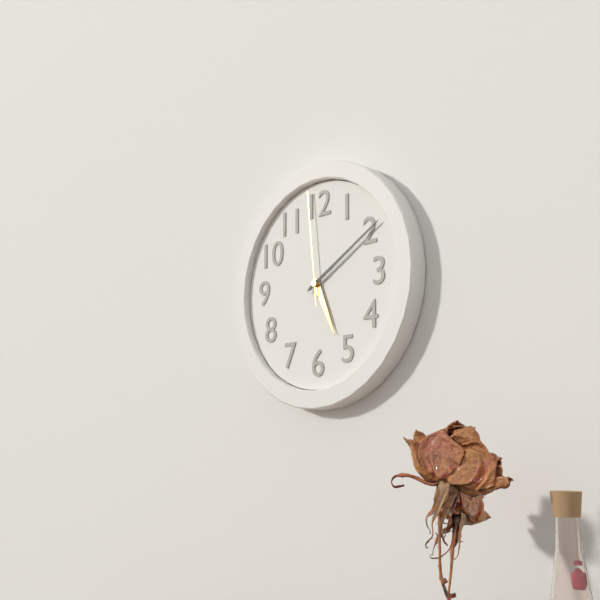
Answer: 5,10,59
